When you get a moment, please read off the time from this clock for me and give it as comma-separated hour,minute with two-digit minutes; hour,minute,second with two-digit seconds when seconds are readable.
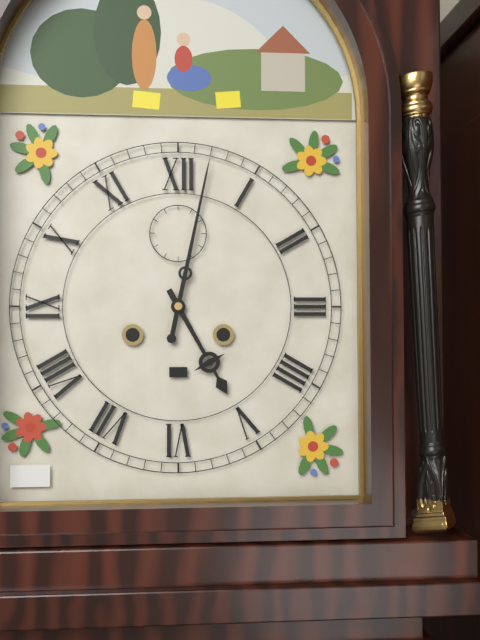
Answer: 5,02
